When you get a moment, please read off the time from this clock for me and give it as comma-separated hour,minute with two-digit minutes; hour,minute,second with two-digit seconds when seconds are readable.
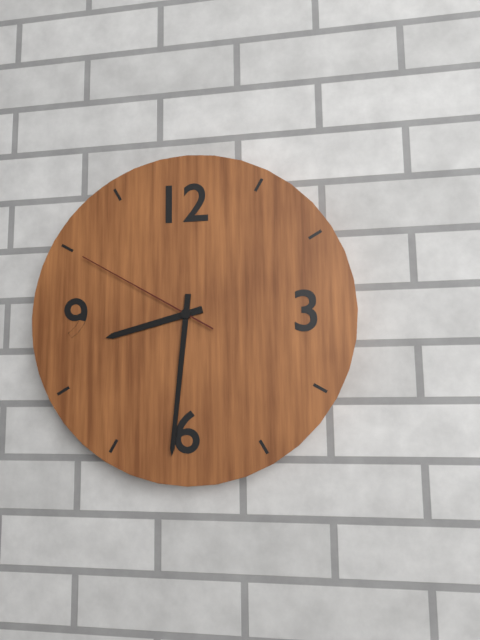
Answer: 8,31,50
